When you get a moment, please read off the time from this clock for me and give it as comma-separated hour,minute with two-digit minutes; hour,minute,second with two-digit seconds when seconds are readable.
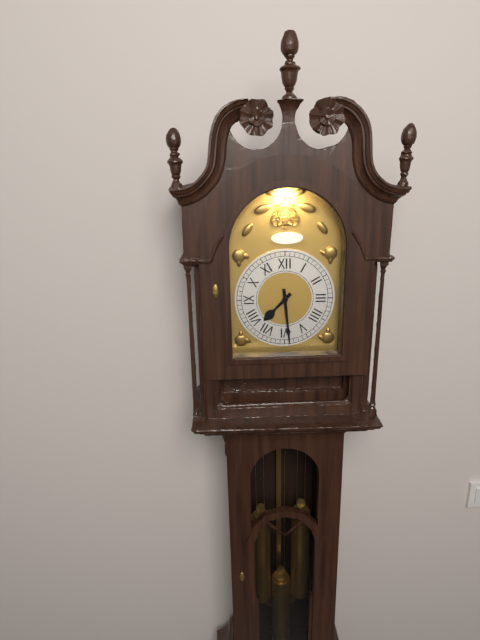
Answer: 7,29
